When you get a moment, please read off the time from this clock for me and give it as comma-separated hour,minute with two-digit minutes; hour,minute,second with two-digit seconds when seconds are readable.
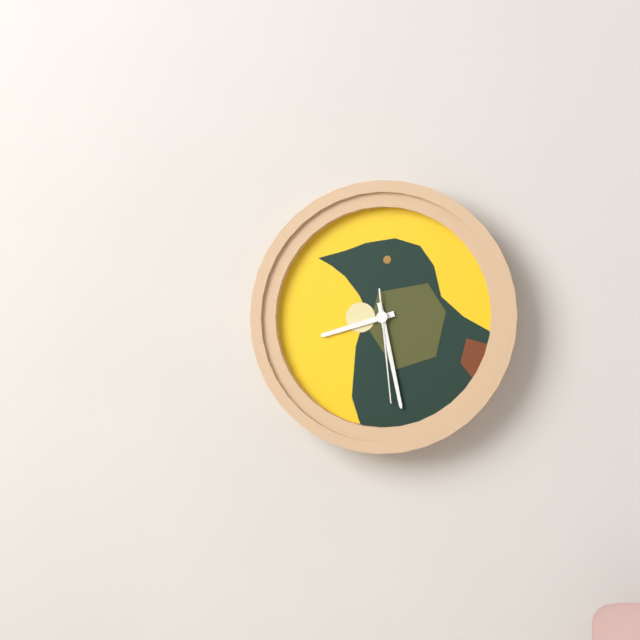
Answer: 8,28,29
